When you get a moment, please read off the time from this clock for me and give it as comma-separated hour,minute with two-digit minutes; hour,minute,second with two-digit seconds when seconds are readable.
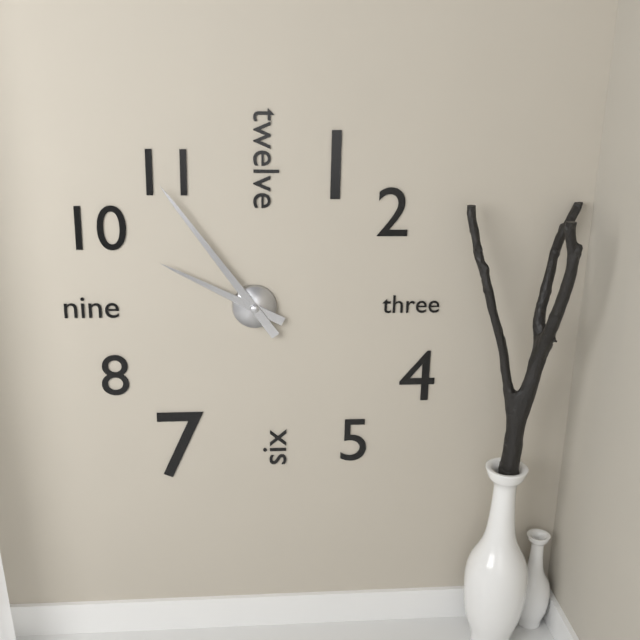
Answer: 9,54
